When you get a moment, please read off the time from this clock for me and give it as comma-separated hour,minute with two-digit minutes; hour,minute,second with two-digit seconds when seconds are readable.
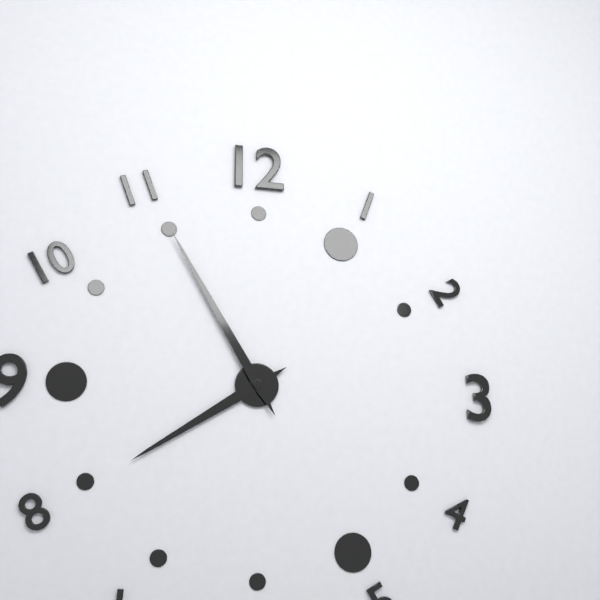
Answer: 7,55
